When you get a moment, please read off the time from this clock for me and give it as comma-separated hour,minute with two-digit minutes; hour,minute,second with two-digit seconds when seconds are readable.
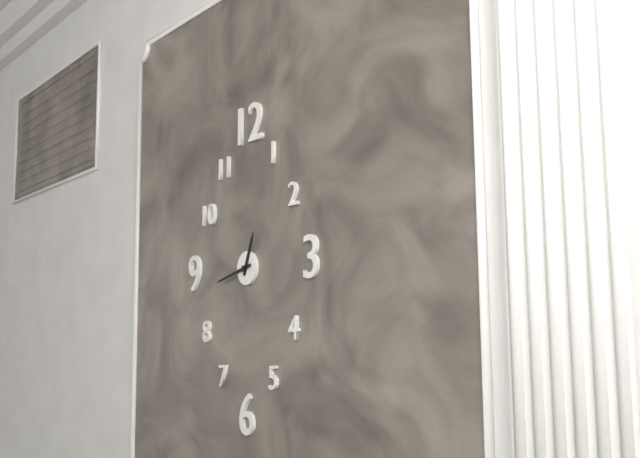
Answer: 12,43
